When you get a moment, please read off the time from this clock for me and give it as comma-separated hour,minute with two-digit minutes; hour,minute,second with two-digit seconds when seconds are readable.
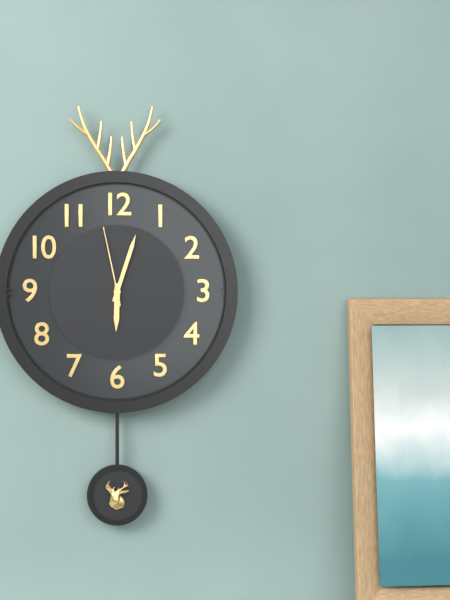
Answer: 6,03,58
